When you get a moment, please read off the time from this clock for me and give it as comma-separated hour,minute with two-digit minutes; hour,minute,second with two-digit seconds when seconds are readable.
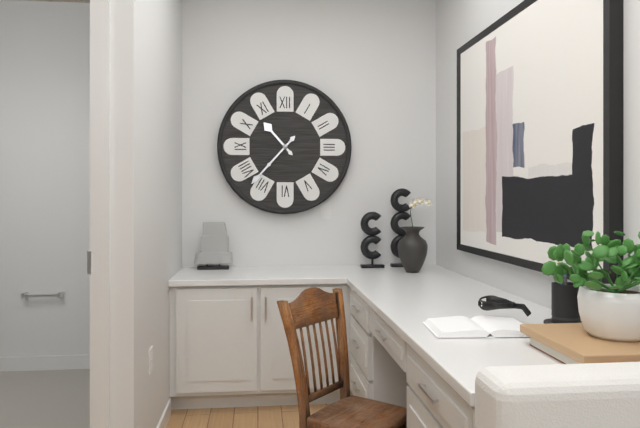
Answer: 10,37
